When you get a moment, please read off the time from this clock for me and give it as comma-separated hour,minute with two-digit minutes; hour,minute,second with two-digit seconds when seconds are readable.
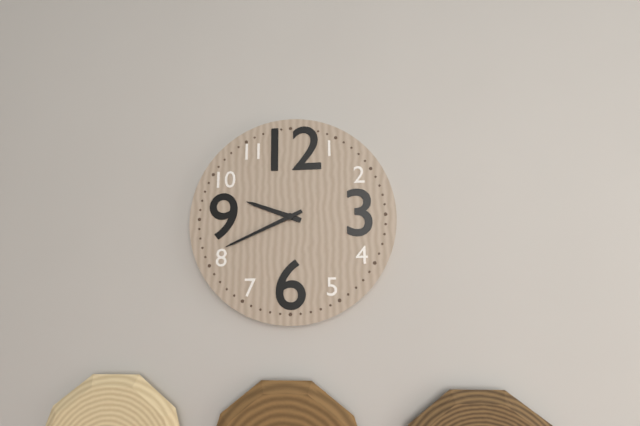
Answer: 9,41
